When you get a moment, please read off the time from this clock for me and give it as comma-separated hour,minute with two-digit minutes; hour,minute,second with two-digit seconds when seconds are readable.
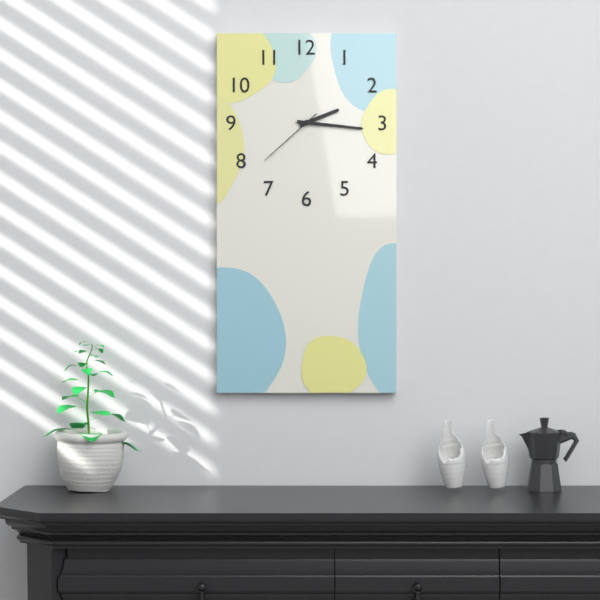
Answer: 2,16,38
